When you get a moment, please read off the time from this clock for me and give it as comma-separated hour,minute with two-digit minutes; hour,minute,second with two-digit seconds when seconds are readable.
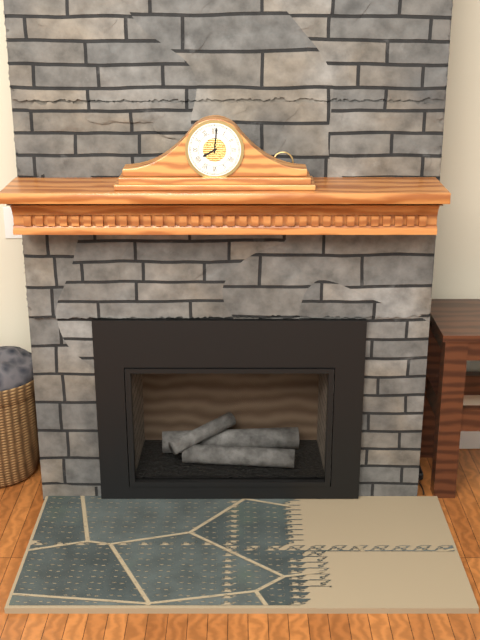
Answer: 8,01
